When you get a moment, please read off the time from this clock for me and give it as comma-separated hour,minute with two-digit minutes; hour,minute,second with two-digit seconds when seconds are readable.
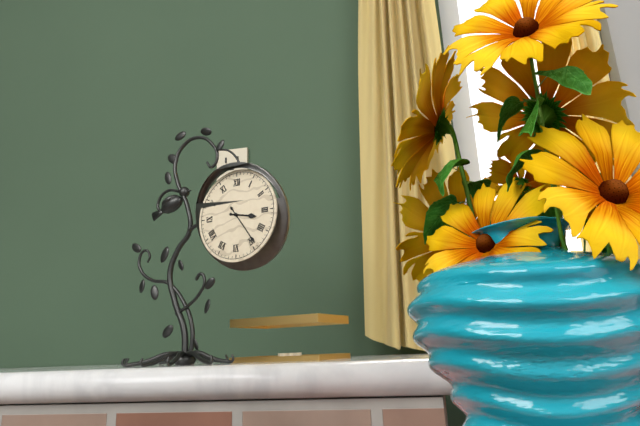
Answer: 3,24
